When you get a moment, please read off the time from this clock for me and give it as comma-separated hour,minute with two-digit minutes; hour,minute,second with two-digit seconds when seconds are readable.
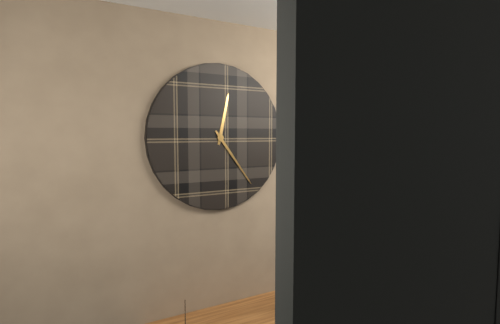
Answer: 12,24
